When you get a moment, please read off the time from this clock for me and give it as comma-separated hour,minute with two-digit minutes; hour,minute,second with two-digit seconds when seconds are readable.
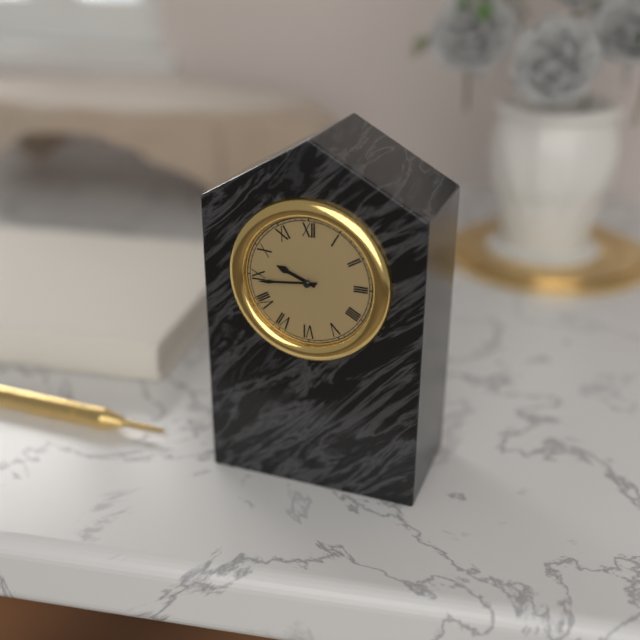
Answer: 9,44
